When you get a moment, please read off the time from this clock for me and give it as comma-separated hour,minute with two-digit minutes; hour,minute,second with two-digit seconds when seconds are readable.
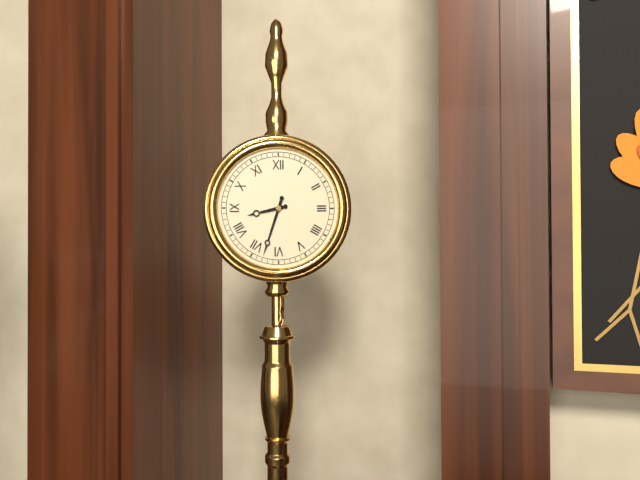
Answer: 8,33
